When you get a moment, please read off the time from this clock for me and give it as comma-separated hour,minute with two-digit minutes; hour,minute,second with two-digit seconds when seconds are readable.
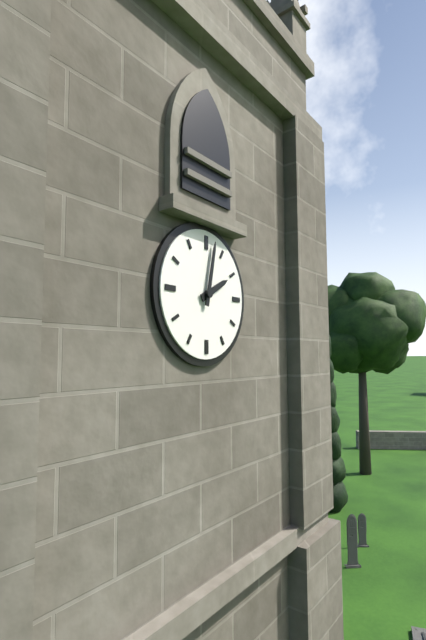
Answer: 2,02
